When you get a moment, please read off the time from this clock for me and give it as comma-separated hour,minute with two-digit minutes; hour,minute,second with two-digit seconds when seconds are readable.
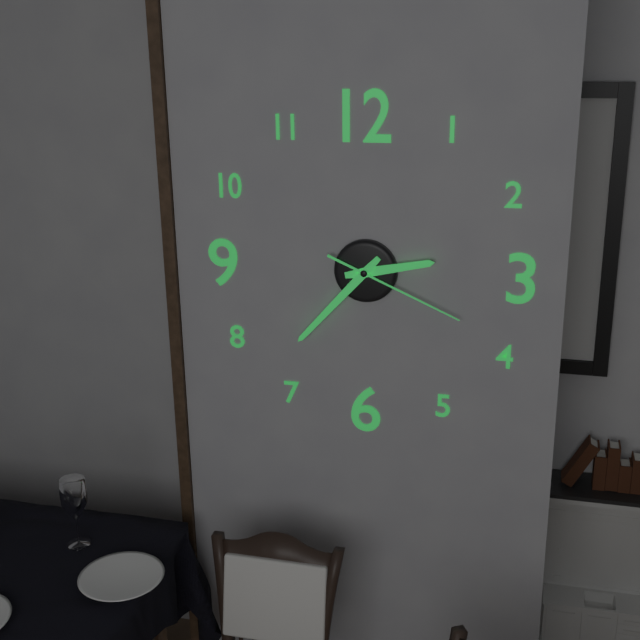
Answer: 2,37,19
